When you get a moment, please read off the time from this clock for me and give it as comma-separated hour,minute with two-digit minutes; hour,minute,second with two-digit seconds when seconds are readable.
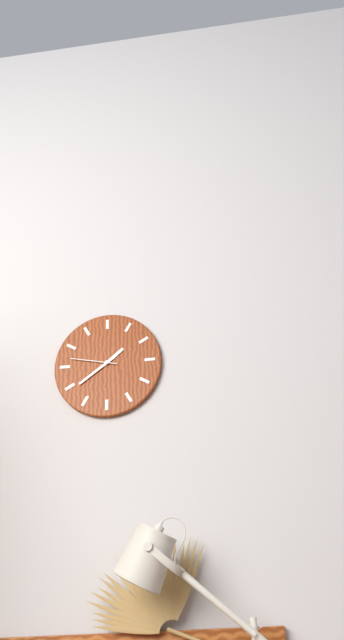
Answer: 1,39
